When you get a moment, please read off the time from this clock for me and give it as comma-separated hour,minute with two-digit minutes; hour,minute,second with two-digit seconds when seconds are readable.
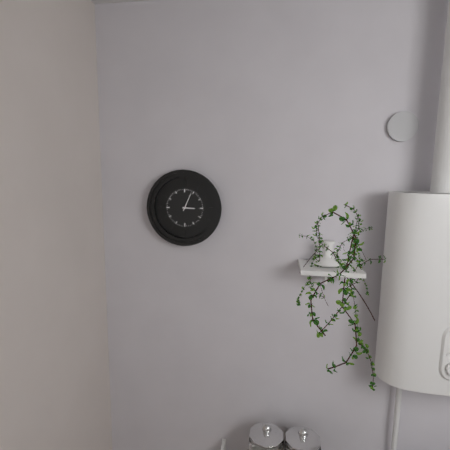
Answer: 3,04
